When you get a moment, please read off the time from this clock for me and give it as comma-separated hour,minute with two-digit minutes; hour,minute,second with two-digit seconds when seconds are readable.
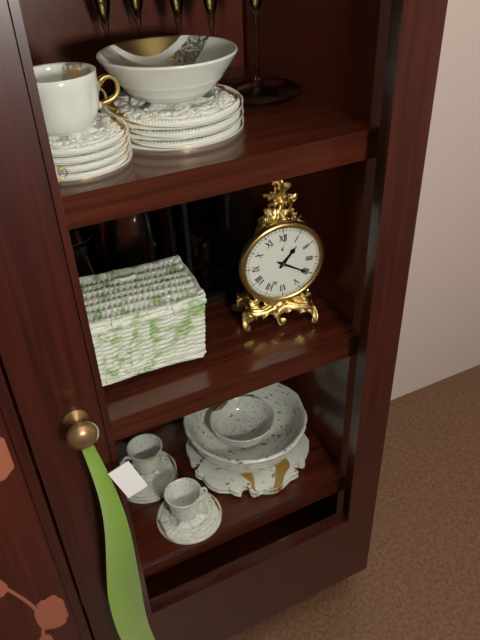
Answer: 1,20
